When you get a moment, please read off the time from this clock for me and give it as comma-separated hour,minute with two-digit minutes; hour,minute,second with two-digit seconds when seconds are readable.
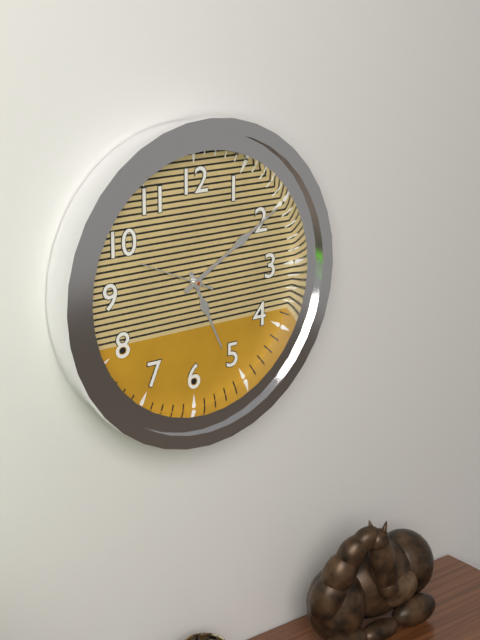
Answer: 5,10,49
